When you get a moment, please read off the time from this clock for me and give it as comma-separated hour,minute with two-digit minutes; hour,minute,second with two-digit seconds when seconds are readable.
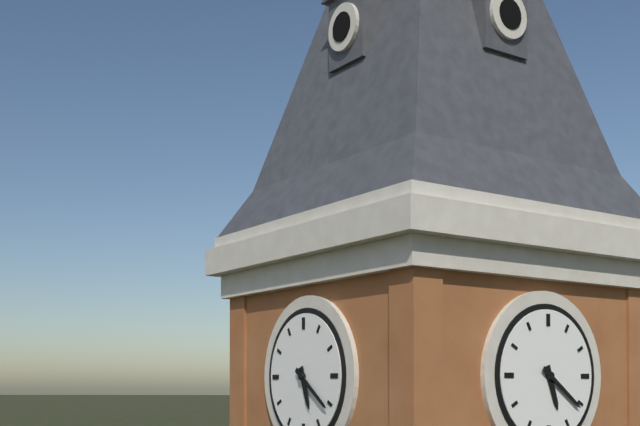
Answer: 5,21
